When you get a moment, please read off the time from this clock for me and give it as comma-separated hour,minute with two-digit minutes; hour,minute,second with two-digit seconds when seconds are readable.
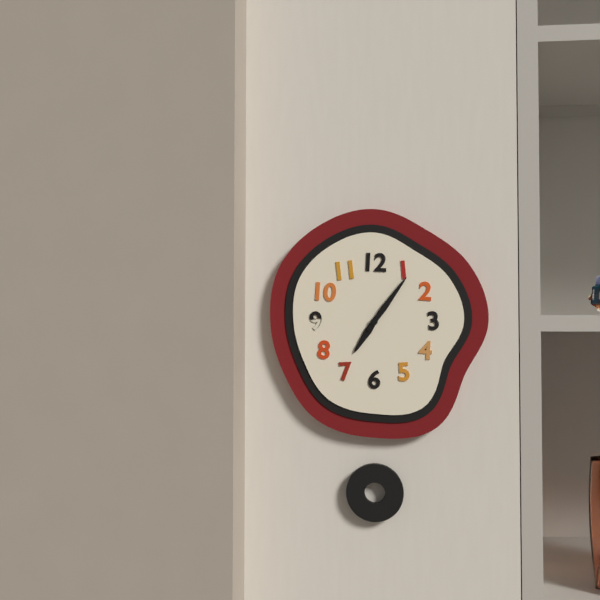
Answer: 7,06
